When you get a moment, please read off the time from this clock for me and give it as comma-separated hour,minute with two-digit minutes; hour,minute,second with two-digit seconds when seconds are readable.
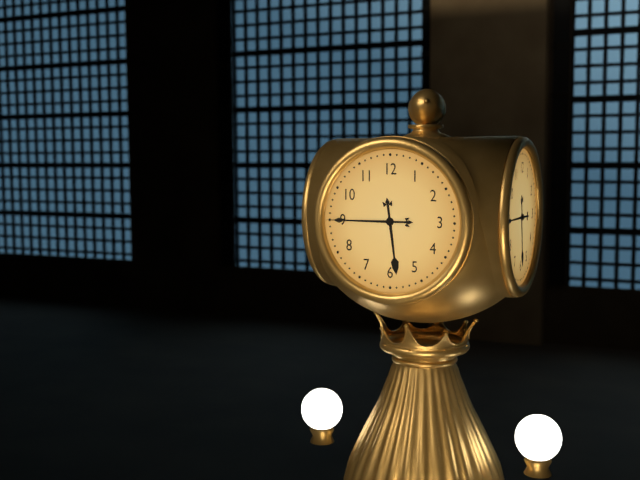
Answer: 5,45
